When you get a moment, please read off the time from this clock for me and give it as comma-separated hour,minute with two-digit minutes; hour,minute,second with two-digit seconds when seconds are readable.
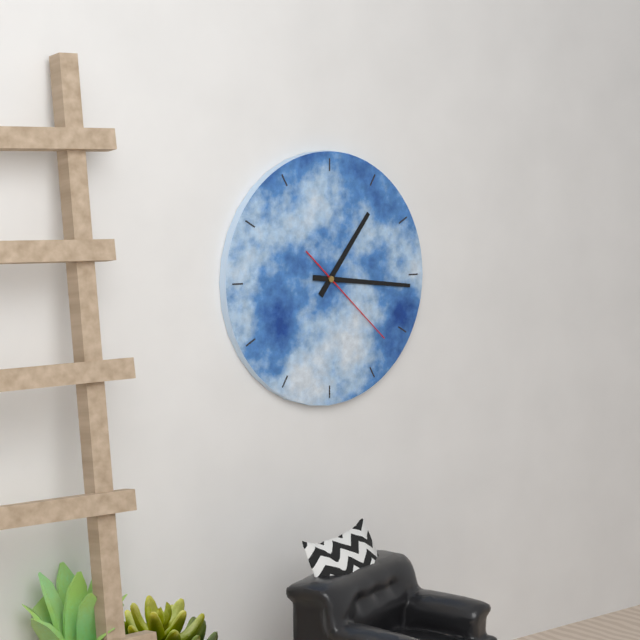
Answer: 1,16,22
